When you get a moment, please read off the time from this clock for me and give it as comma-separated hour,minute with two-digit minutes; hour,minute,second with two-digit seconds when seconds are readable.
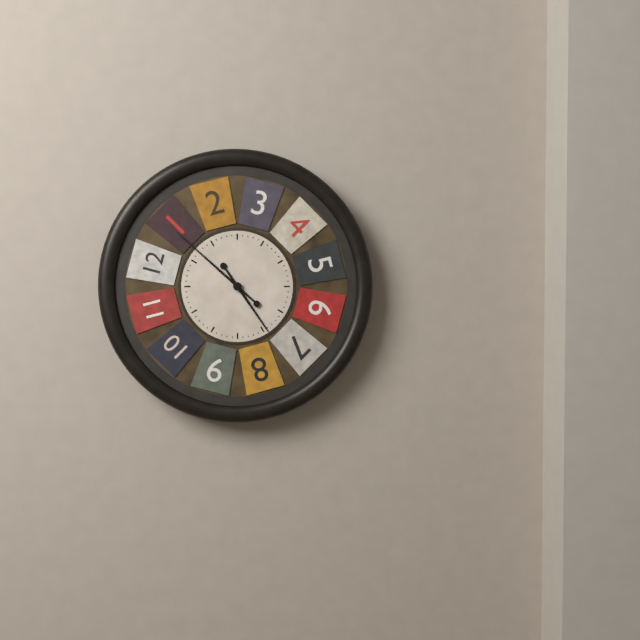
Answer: 4,52
